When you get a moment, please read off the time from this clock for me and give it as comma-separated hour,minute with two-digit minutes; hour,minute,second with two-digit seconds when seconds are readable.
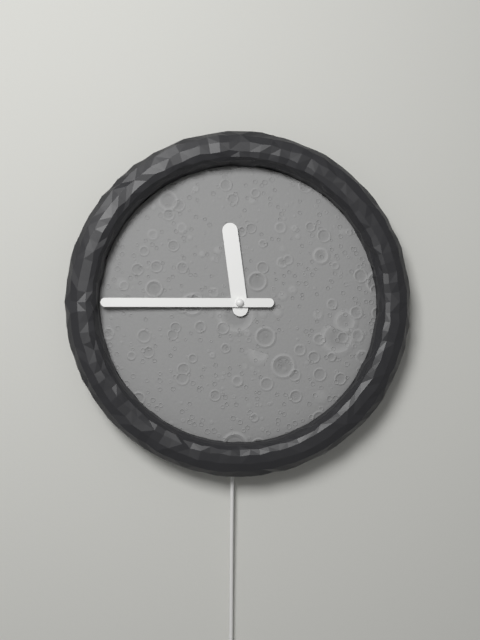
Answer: 11,45
